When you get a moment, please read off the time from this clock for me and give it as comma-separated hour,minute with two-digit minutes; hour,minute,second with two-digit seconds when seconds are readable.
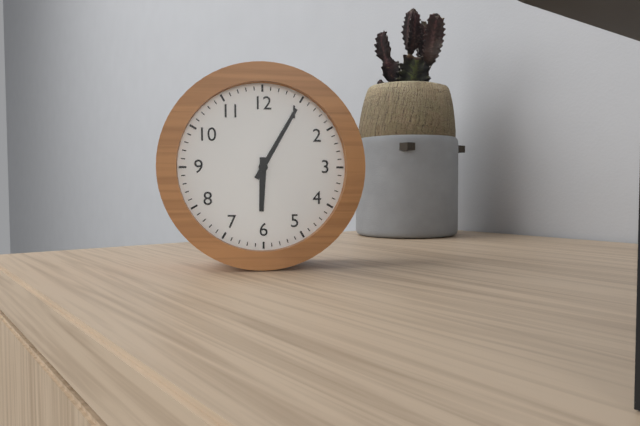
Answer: 6,05
